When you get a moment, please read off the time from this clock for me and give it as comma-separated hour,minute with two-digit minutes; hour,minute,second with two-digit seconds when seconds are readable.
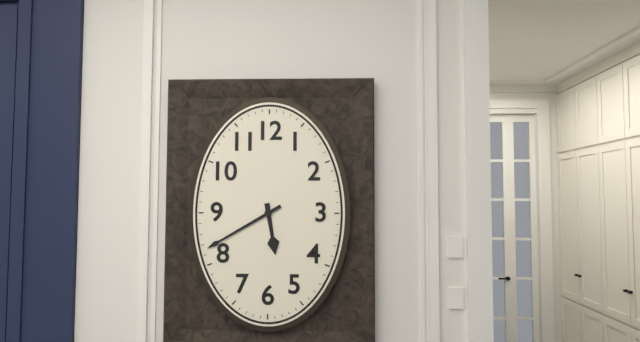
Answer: 5,40
